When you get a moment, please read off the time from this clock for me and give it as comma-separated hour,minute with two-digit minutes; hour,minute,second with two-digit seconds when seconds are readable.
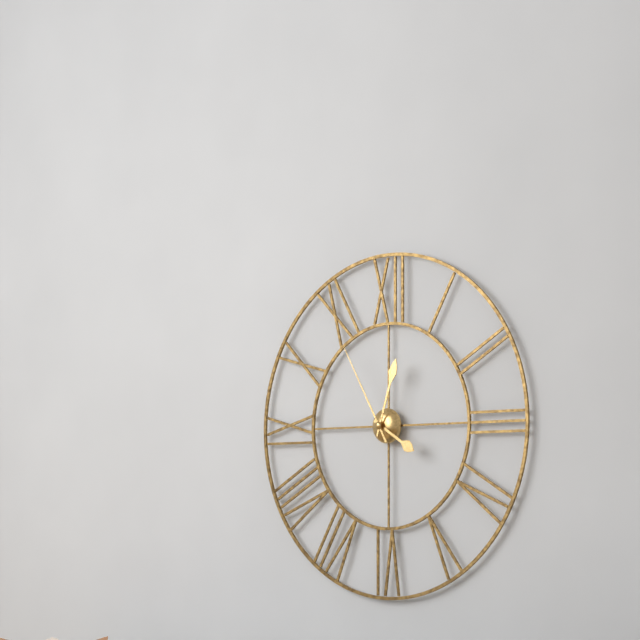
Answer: 4,03,55
